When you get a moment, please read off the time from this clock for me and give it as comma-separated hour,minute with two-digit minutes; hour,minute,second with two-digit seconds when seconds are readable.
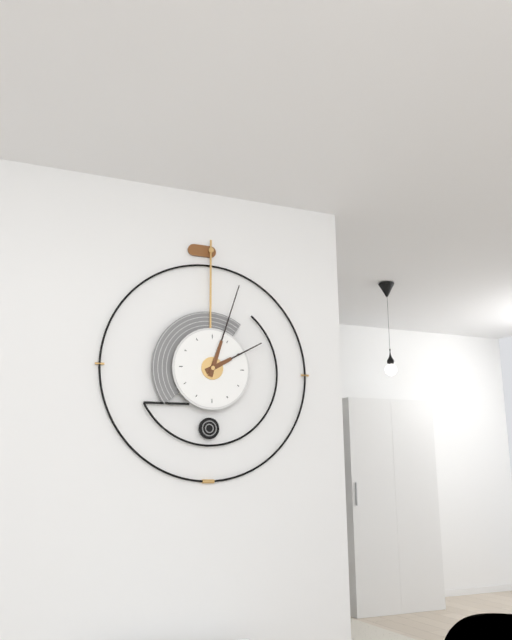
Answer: 2,03
